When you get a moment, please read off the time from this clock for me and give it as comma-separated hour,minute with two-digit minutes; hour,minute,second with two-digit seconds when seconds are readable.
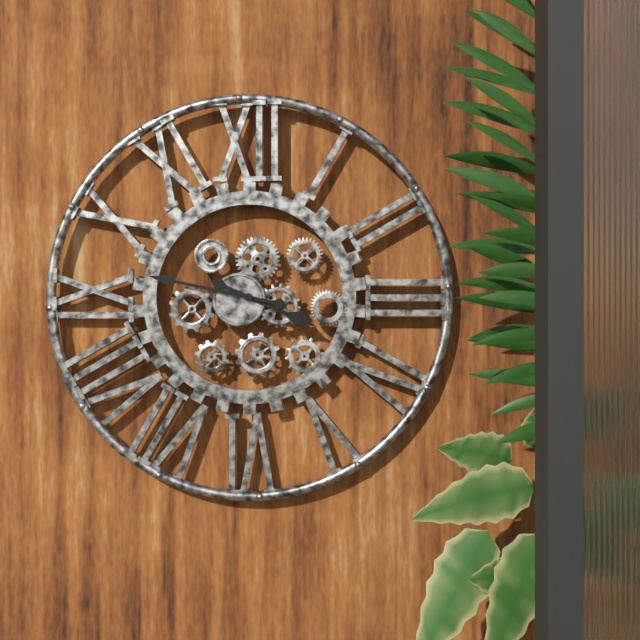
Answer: 3,47
